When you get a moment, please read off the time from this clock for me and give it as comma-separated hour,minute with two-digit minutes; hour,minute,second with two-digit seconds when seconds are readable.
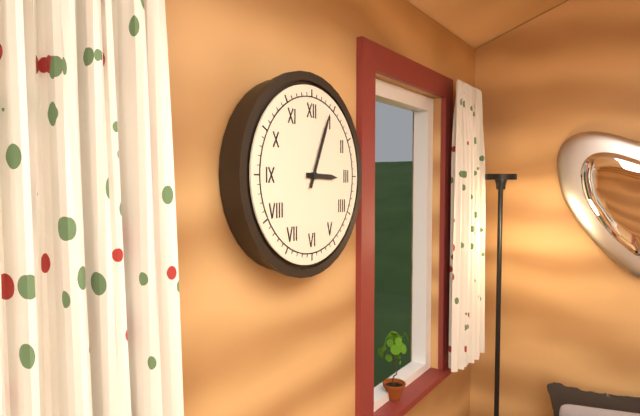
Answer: 3,04
